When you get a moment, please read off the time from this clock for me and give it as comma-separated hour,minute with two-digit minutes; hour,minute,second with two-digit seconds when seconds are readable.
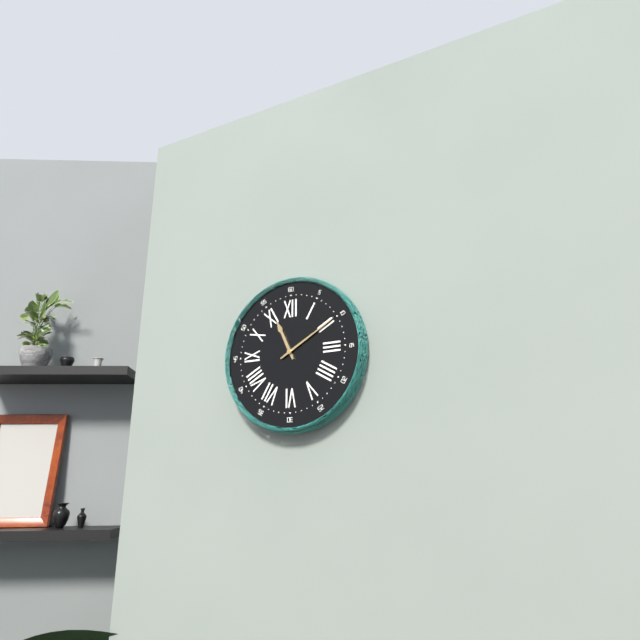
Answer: 11,10
